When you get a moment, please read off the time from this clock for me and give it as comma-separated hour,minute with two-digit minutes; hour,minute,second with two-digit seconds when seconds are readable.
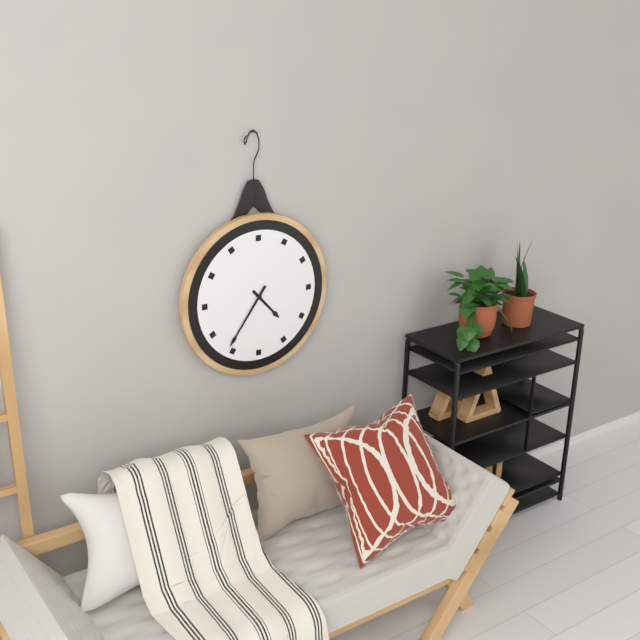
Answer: 4,36
